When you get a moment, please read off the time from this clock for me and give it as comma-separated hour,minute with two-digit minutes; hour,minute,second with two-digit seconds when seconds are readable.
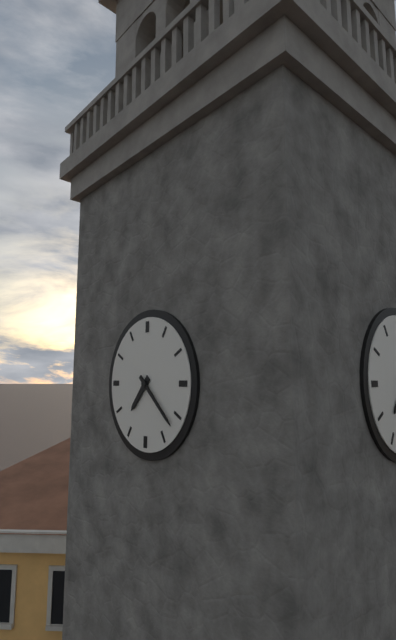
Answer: 7,22
